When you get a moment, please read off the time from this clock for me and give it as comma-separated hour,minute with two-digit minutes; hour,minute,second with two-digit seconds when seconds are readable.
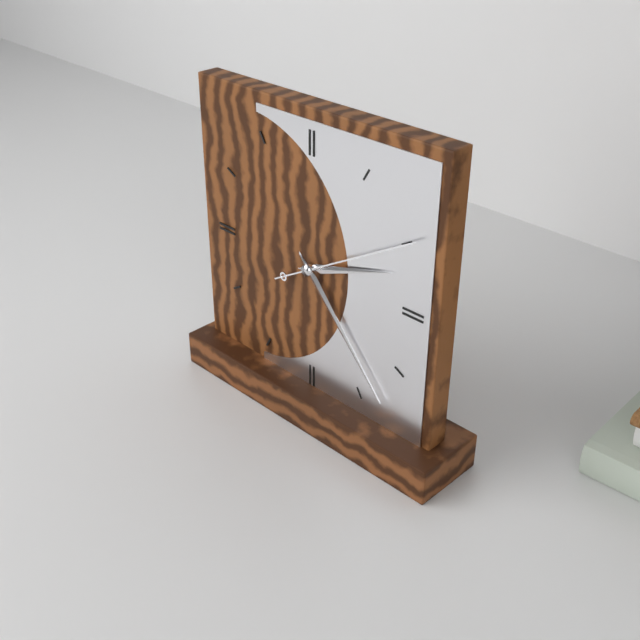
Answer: 2,23,10
